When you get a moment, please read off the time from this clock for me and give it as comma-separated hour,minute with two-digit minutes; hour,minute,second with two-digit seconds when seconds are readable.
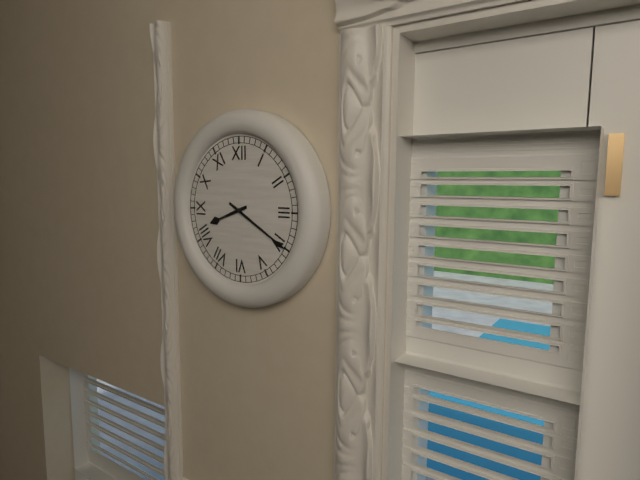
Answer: 8,20
